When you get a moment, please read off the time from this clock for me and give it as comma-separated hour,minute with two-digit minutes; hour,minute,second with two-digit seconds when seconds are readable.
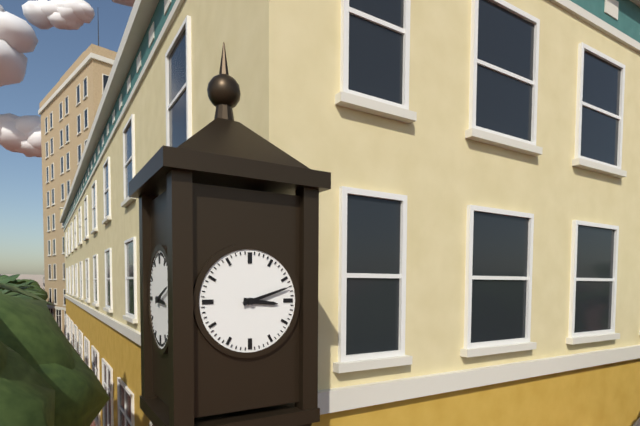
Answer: 3,12
